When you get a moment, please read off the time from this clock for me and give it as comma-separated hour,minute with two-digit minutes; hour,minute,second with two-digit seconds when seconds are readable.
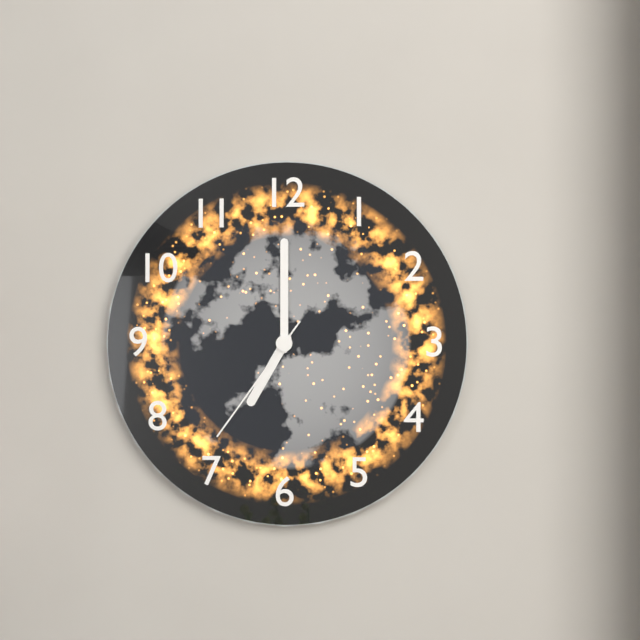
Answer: 7,00,36
